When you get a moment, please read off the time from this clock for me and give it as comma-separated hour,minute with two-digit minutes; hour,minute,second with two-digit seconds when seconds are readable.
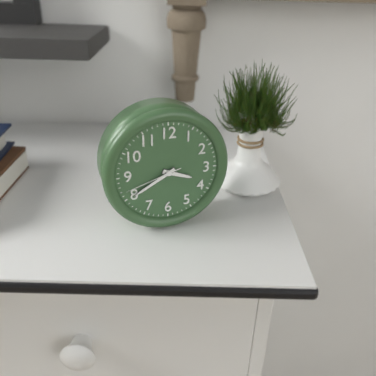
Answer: 3,40,42
